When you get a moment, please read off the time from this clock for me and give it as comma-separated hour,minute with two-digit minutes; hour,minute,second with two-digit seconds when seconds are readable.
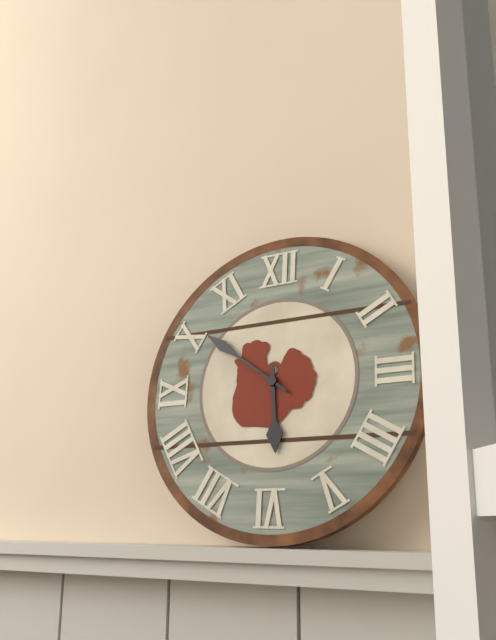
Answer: 5,51
